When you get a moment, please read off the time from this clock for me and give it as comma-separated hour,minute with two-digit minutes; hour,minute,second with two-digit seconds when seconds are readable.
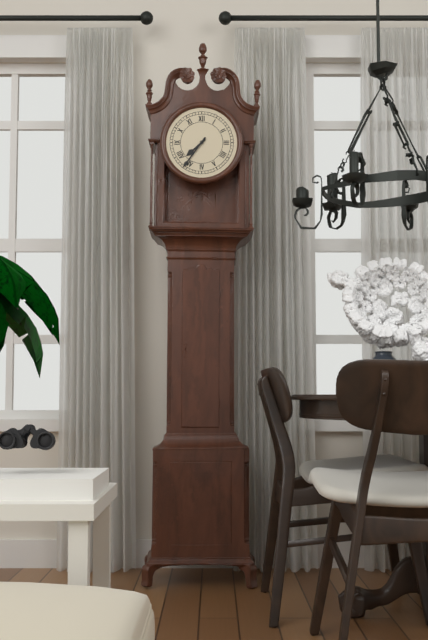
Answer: 7,36
